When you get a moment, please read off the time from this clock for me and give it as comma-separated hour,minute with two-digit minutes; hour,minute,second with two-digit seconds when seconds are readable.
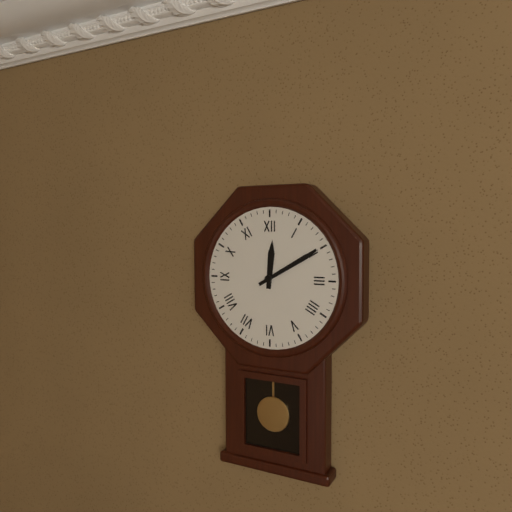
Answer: 12,10
